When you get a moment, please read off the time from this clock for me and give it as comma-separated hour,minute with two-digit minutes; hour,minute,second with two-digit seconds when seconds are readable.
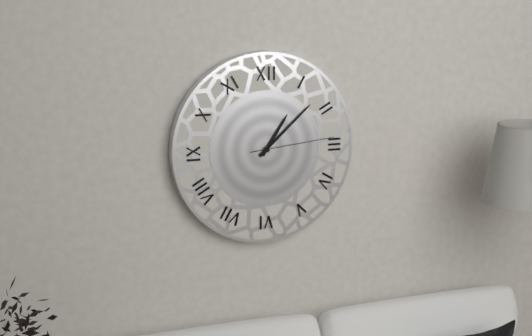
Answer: 1,08,14
